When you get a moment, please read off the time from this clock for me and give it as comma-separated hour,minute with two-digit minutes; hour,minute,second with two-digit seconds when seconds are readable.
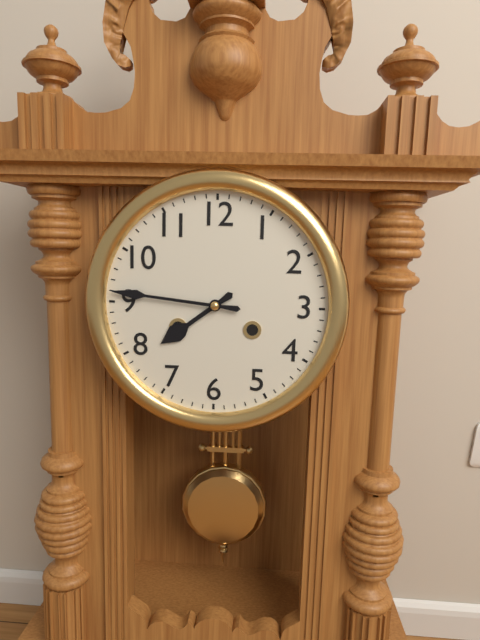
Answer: 7,46
